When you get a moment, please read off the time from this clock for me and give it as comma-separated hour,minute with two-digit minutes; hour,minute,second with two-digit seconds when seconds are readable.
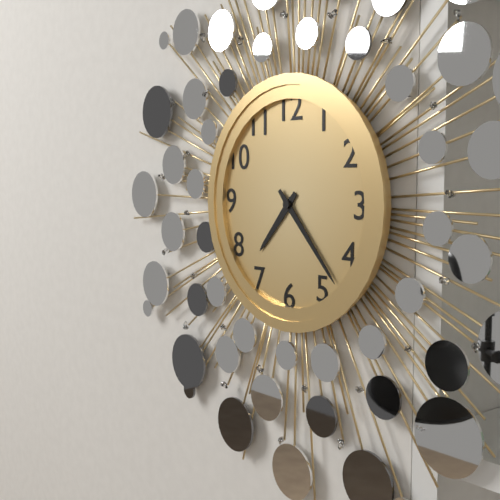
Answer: 7,23
